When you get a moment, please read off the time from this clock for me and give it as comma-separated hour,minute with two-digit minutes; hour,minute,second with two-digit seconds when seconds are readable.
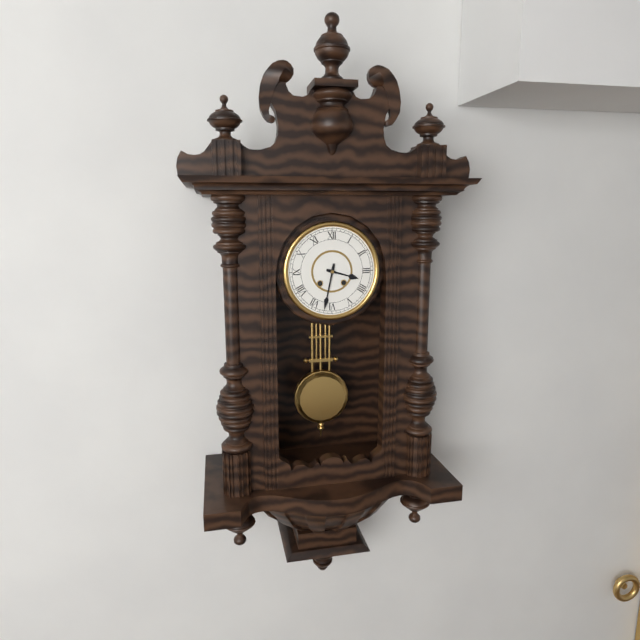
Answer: 3,32
